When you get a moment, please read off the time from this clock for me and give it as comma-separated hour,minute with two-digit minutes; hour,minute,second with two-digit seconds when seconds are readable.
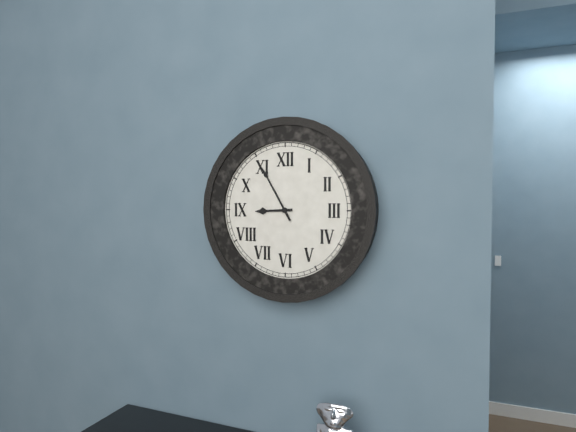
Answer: 8,55
